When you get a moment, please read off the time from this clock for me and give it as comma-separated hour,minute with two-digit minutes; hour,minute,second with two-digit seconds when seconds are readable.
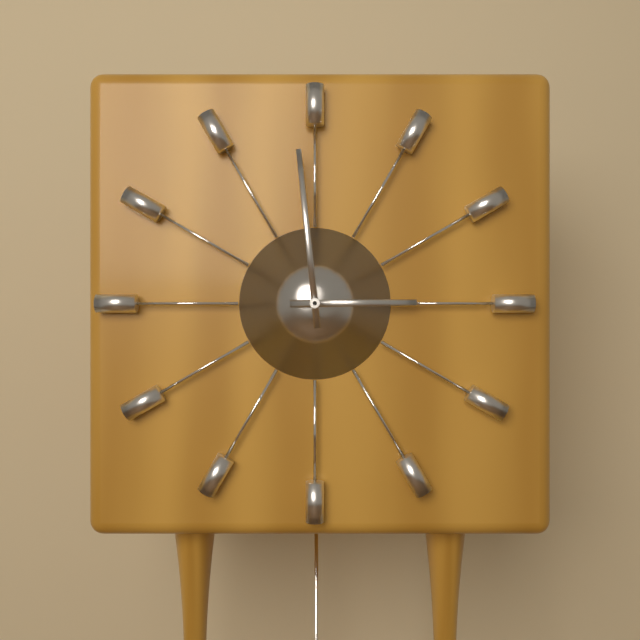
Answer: 2,59
